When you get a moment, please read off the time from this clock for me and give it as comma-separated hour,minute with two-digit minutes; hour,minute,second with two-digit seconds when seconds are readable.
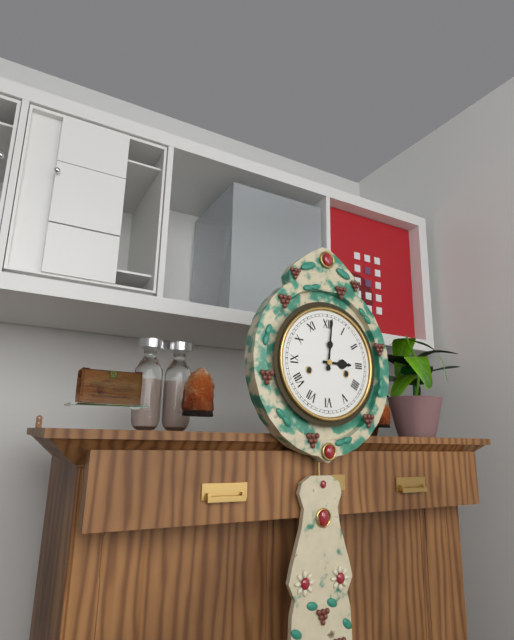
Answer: 3,01
